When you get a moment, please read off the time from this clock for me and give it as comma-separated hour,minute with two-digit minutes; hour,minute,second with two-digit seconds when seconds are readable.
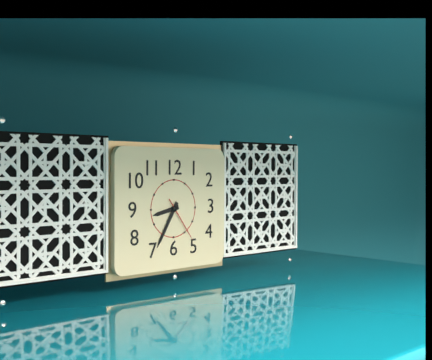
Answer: 8,35
